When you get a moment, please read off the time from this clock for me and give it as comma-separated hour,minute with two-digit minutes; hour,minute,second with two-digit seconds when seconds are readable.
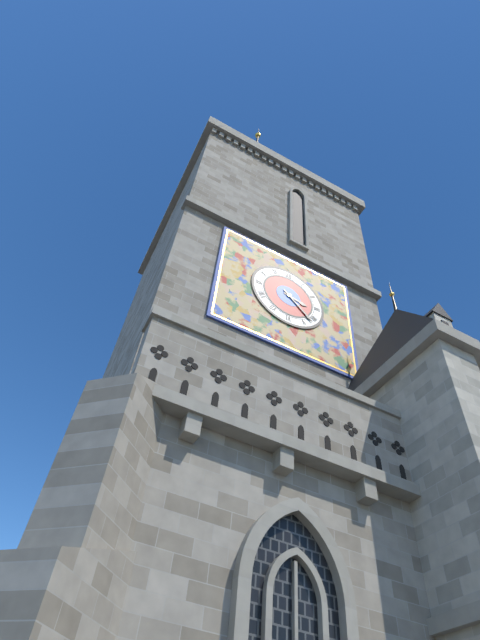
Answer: 3,22
